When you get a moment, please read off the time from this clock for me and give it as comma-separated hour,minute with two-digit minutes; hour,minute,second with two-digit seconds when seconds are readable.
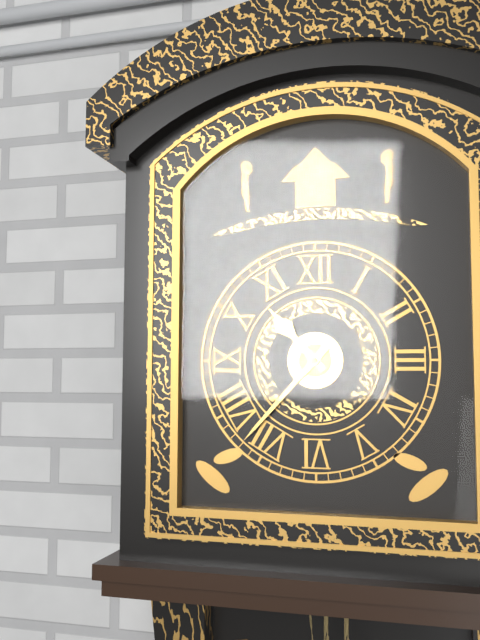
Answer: 10,37
